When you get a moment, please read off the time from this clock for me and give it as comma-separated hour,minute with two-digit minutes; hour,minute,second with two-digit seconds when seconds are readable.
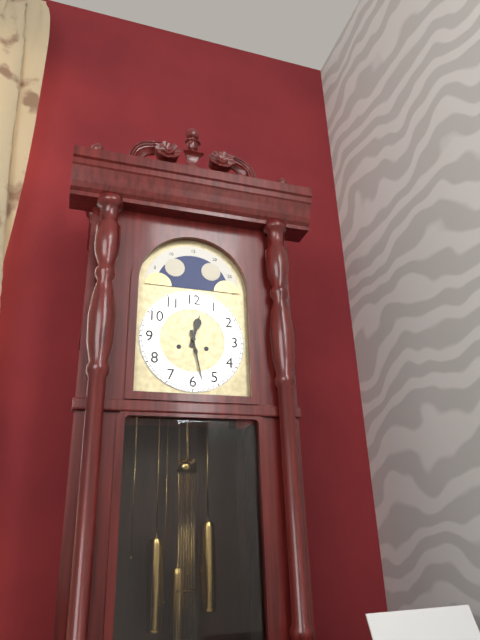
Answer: 12,28
